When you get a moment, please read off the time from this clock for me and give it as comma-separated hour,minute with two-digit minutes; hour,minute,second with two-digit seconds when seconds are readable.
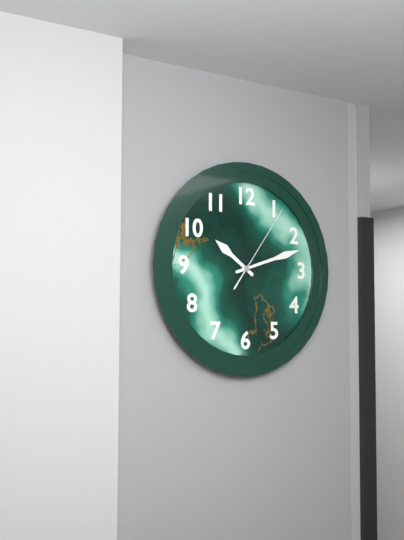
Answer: 10,12,06
